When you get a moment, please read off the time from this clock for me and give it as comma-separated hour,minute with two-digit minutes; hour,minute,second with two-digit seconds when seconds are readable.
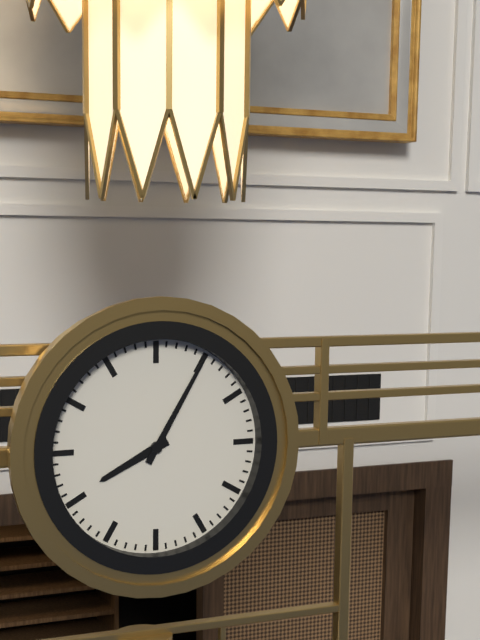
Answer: 8,05
